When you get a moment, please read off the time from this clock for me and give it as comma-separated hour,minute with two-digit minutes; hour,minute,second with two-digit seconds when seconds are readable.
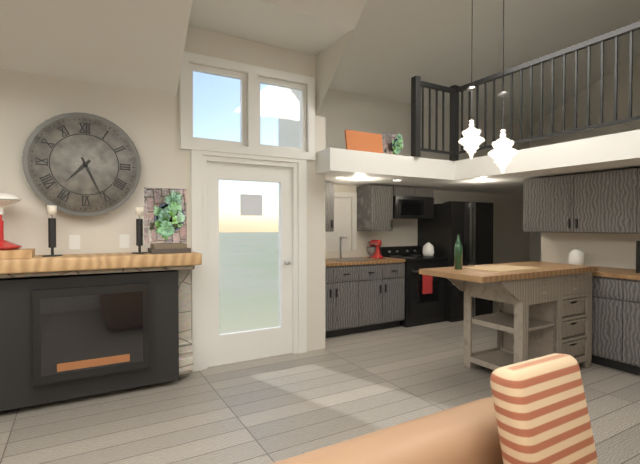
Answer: 7,26
